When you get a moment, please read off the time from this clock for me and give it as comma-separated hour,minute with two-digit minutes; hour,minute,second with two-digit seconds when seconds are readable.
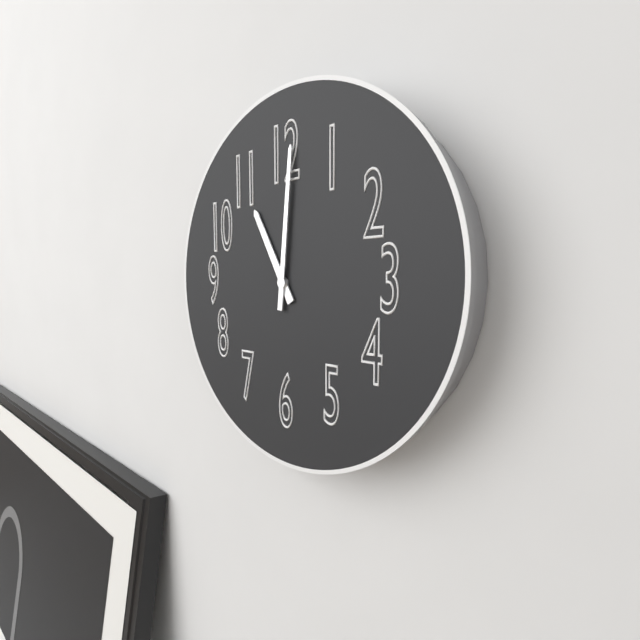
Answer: 11,01
